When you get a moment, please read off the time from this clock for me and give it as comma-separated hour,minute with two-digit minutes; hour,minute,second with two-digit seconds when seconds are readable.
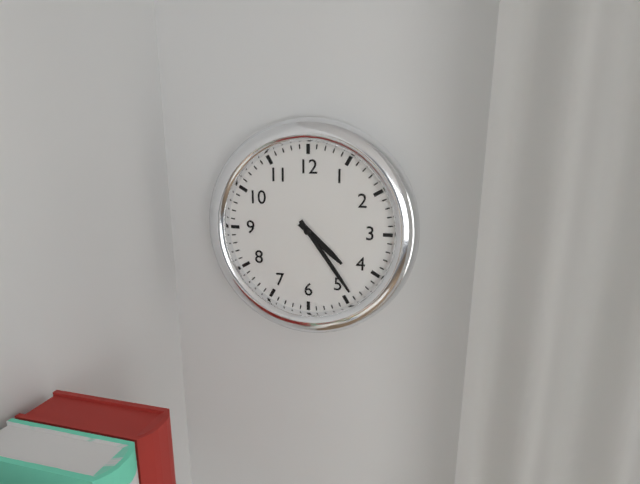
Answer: 4,24
